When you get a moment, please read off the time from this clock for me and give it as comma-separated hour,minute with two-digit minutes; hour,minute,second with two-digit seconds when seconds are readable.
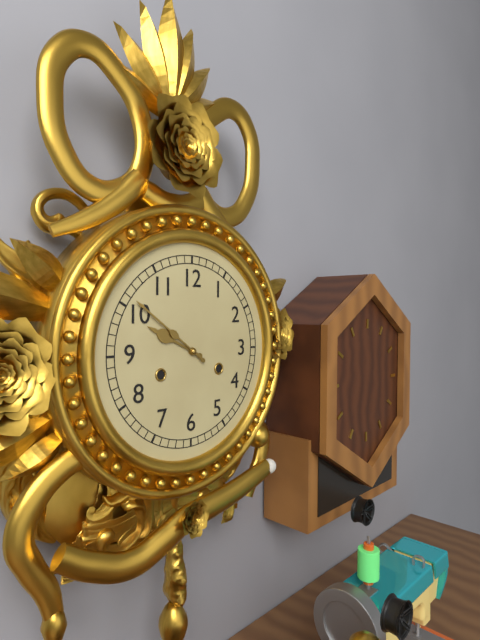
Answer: 9,51
